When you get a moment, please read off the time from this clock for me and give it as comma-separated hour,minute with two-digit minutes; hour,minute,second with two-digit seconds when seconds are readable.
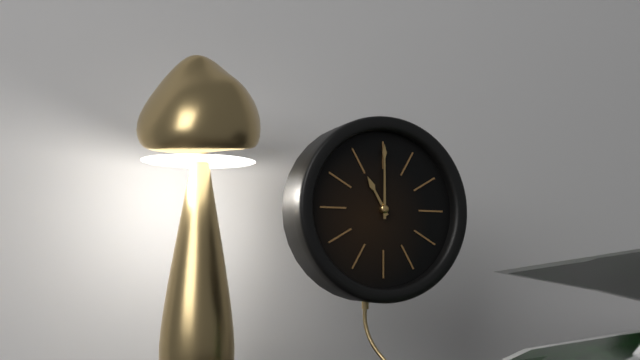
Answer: 11,00
